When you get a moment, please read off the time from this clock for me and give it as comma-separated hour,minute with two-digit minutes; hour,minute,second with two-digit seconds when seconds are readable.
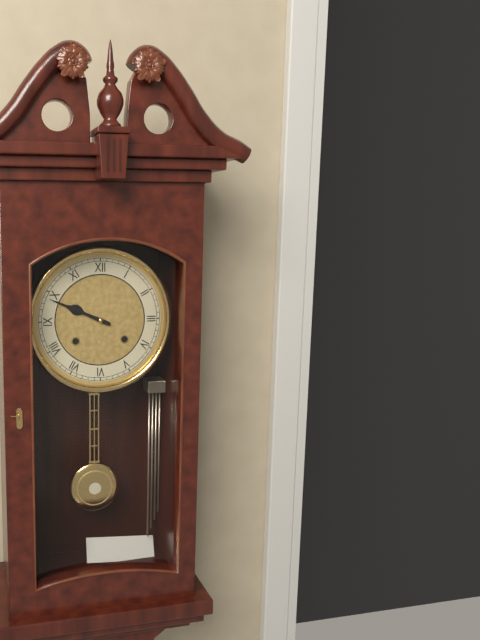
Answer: 9,49
